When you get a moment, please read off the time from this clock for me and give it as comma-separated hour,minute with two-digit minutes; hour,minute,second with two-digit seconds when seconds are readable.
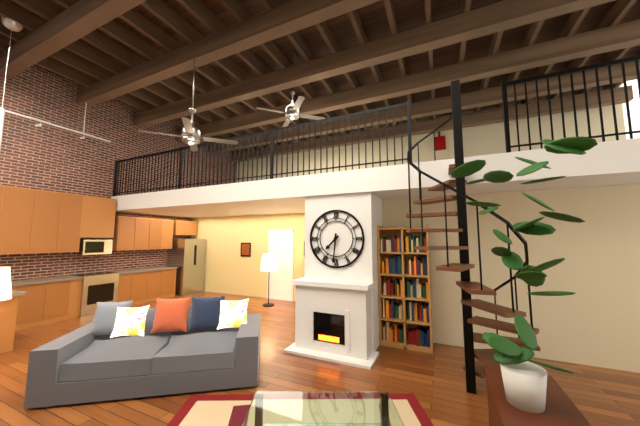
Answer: 7,31
